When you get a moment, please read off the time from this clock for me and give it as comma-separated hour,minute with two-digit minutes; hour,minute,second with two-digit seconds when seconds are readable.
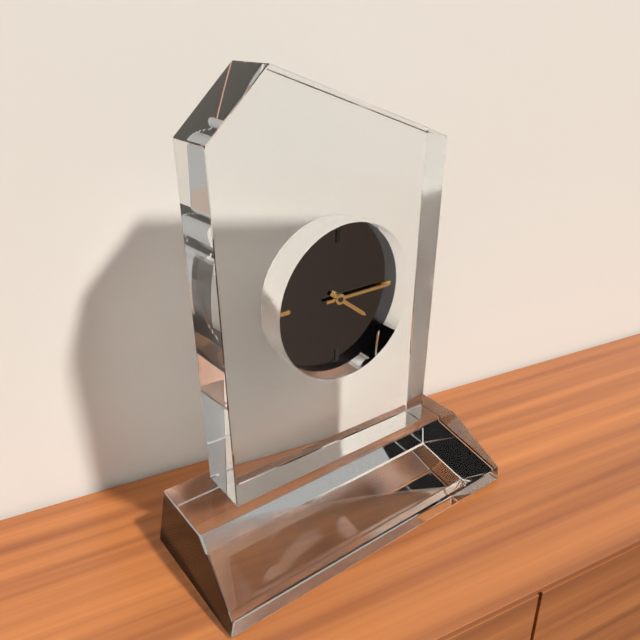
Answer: 4,15
